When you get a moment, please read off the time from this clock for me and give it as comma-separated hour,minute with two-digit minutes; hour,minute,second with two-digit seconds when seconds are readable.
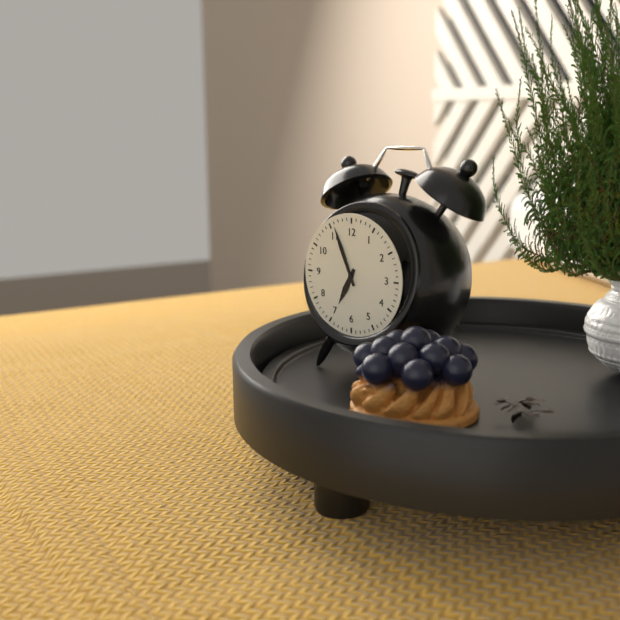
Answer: 6,56
